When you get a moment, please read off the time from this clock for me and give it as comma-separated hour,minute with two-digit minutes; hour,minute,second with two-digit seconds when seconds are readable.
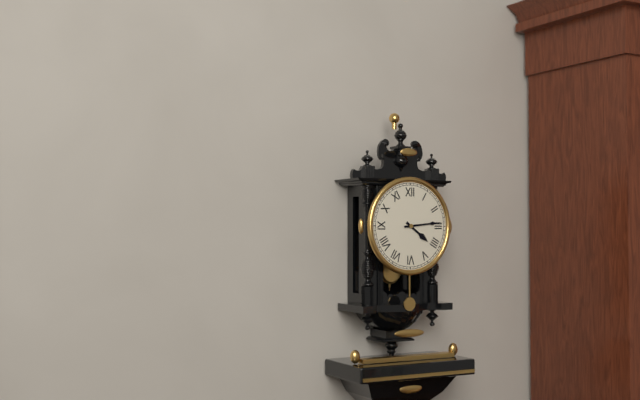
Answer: 4,14
